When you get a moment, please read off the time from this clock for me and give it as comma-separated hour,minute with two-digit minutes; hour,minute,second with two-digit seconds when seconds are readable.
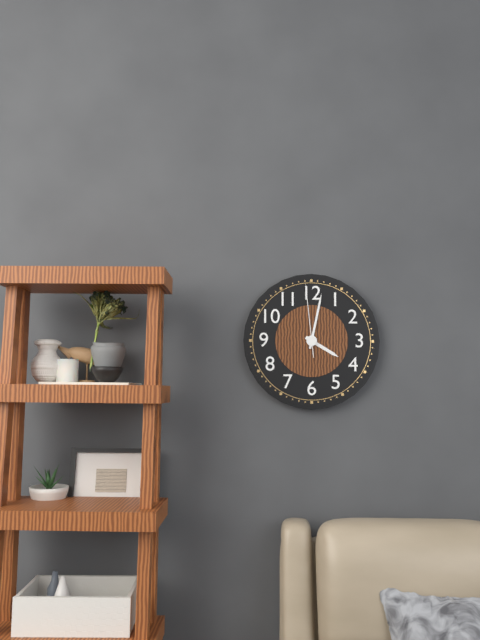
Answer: 4,02,59
